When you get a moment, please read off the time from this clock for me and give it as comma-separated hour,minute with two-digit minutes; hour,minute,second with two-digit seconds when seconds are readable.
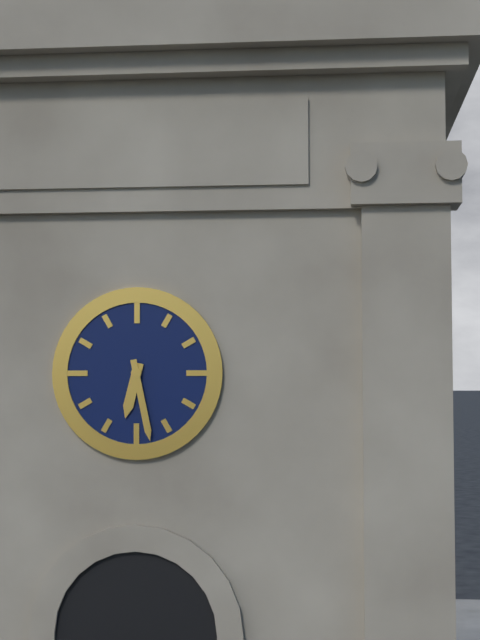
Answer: 6,28
